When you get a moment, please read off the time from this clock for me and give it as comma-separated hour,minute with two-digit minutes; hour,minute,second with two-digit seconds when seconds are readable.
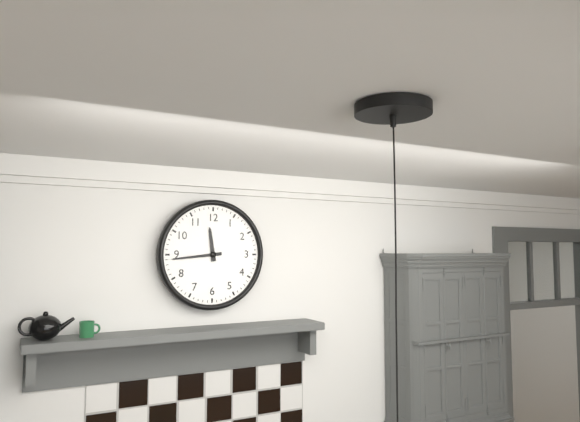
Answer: 11,44
